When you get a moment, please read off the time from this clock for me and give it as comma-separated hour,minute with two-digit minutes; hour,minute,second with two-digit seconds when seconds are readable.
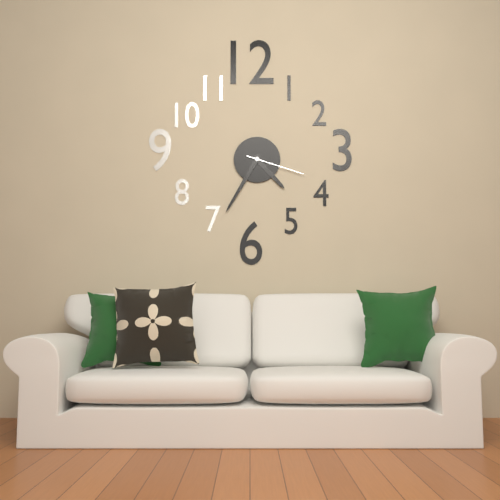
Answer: 4,35,18
